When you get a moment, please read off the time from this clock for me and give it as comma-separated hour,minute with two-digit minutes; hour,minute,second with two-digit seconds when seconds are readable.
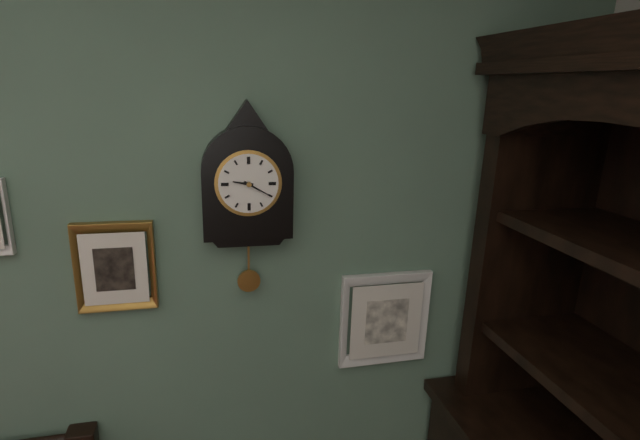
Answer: 9,20
